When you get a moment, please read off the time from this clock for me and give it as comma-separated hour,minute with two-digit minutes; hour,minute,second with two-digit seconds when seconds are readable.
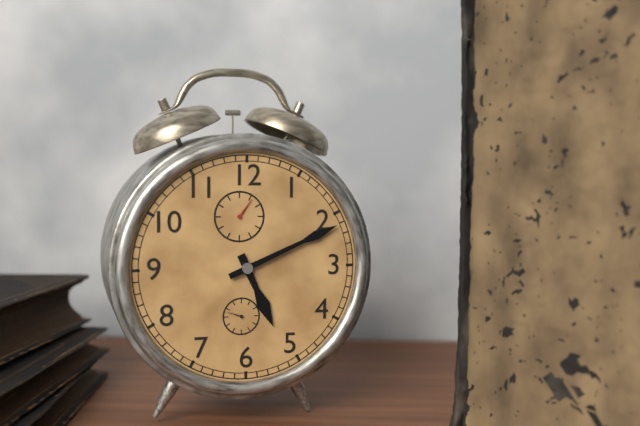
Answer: 5,11
